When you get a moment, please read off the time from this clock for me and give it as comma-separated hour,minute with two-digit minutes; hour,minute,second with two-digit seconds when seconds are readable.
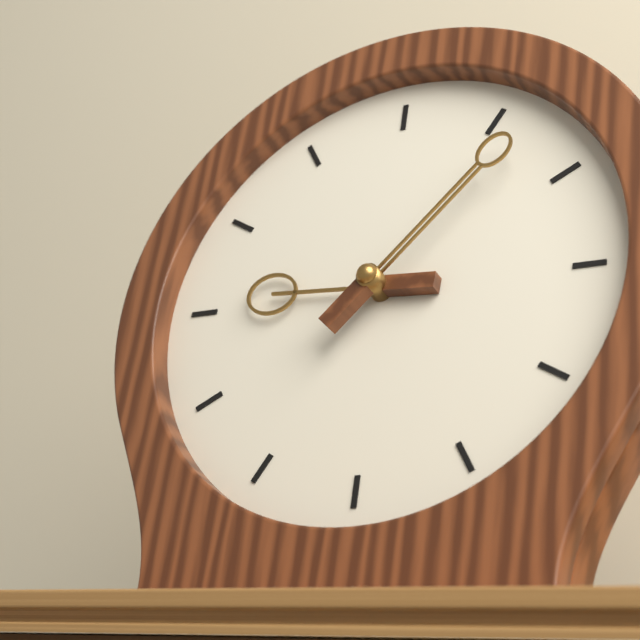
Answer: 9,07
